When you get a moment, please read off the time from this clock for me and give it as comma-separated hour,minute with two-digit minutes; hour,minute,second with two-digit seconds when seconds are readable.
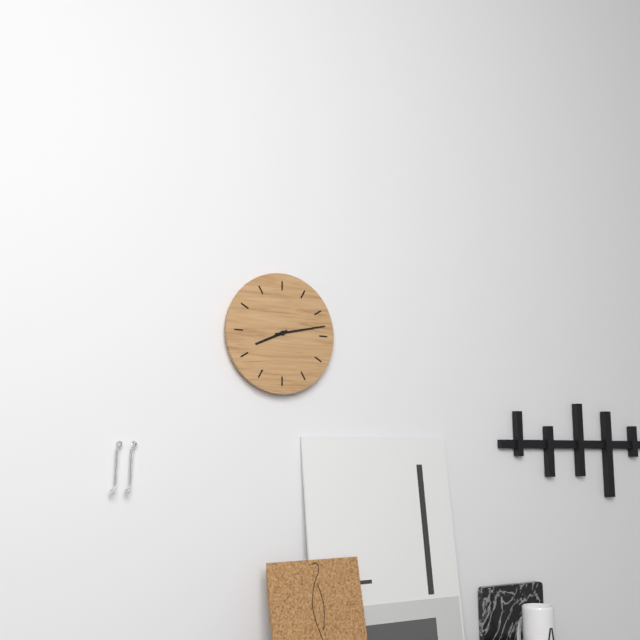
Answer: 8,13
